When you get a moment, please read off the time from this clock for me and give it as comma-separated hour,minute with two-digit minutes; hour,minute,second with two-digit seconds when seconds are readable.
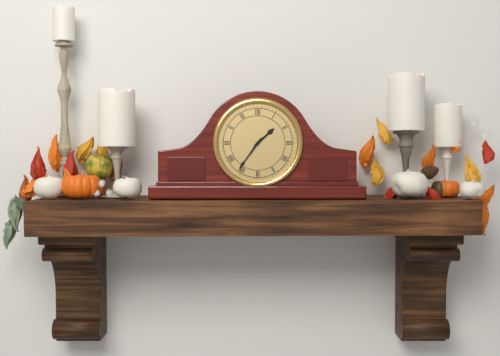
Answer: 1,36
